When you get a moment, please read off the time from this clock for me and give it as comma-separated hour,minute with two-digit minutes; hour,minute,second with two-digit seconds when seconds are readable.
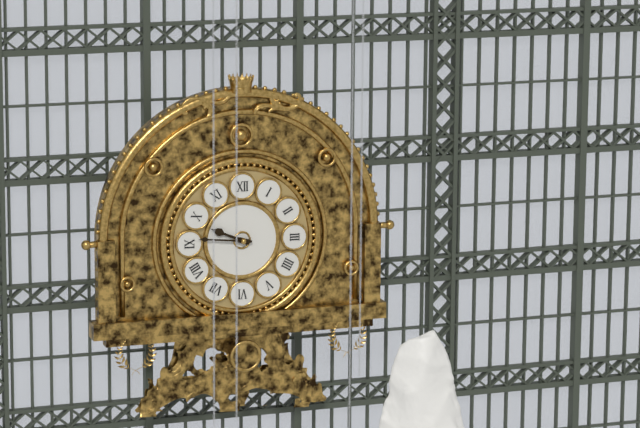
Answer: 9,46
